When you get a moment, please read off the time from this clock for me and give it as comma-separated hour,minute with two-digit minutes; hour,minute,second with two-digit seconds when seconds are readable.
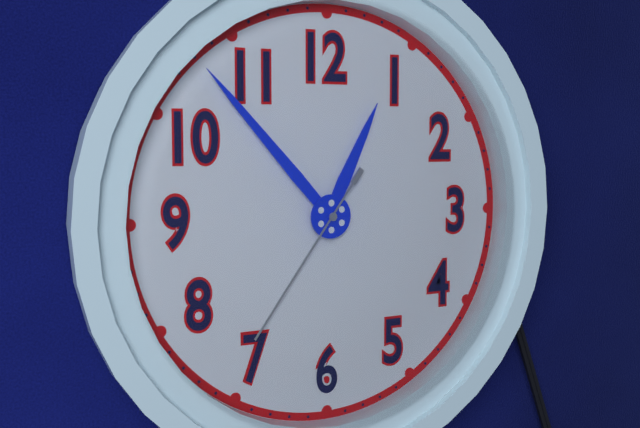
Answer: 12,53,36
